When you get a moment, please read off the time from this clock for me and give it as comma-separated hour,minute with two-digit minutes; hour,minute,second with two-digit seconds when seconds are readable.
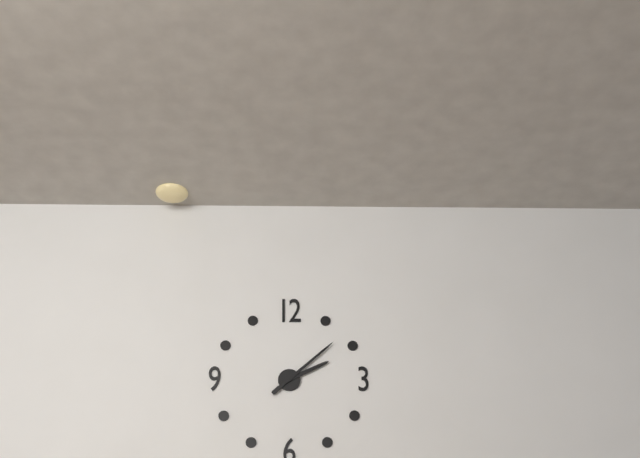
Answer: 2,08
